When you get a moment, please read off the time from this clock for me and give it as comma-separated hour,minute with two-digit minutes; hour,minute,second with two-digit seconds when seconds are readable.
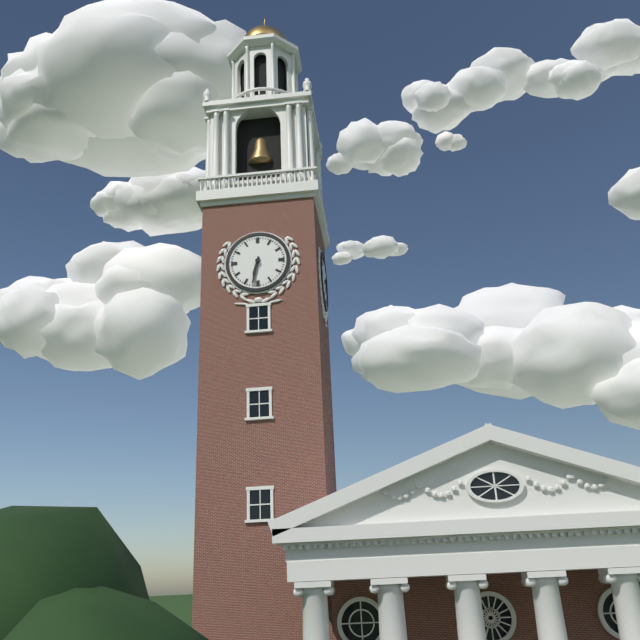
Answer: 6,32
